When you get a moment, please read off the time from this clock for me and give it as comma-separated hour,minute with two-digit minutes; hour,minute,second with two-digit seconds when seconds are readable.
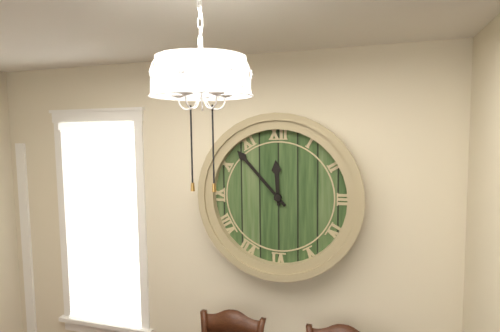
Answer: 11,53
